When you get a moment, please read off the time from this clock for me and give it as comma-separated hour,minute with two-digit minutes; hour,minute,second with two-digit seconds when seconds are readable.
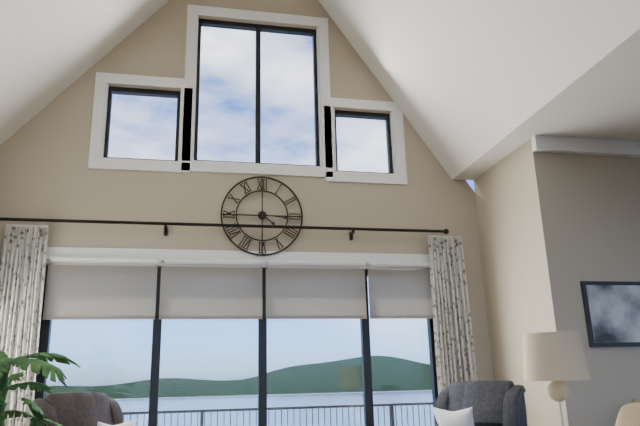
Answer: 4,16
